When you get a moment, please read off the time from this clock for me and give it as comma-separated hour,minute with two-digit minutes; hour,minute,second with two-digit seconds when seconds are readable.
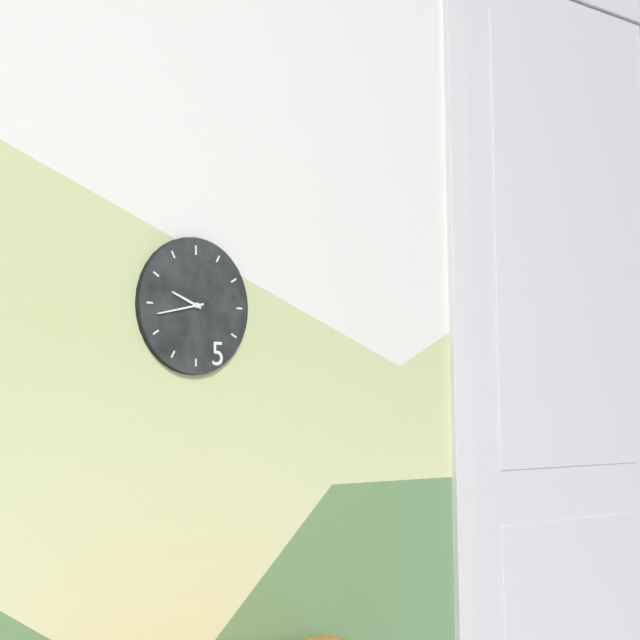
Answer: 9,43
